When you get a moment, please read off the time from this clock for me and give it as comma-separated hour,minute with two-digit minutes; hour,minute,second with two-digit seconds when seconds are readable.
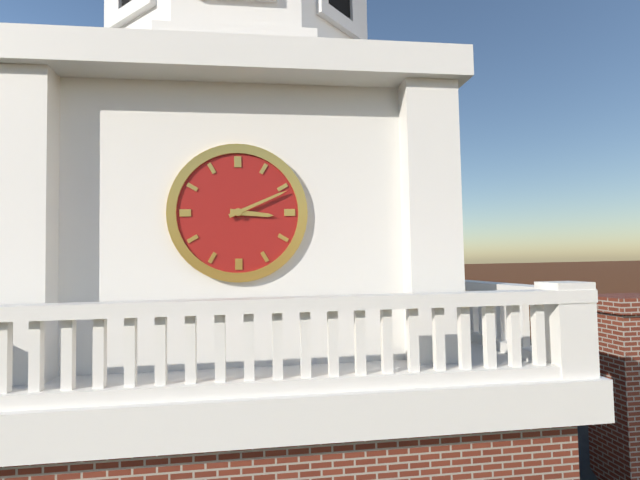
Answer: 3,11
